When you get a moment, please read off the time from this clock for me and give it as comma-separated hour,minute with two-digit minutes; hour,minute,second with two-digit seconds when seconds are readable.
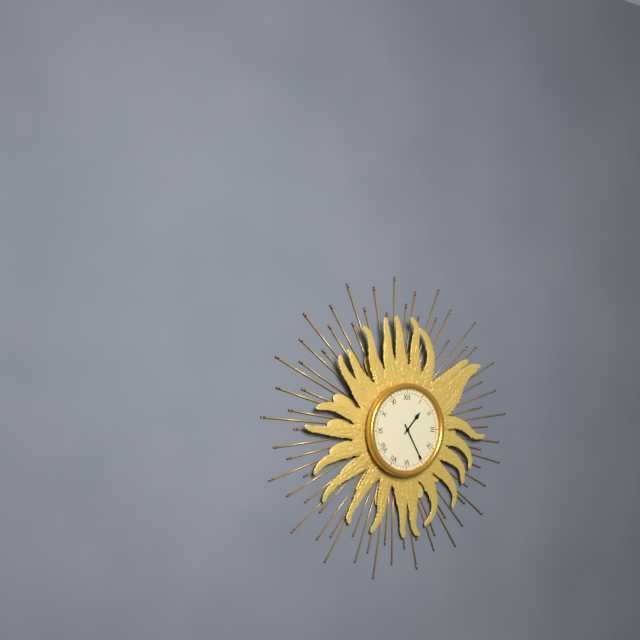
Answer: 1,25
